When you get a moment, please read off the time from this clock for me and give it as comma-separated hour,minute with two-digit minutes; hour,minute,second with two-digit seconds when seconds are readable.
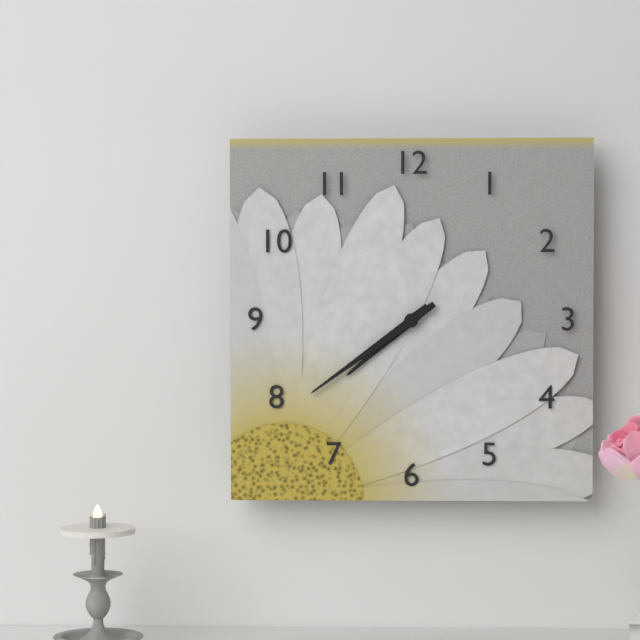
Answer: 7,39
